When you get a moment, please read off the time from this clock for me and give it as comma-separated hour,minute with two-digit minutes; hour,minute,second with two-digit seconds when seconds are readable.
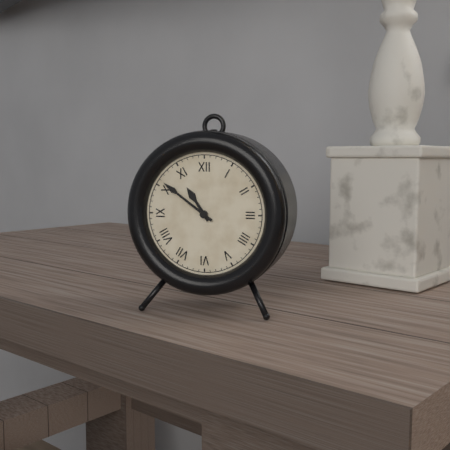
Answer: 10,51
